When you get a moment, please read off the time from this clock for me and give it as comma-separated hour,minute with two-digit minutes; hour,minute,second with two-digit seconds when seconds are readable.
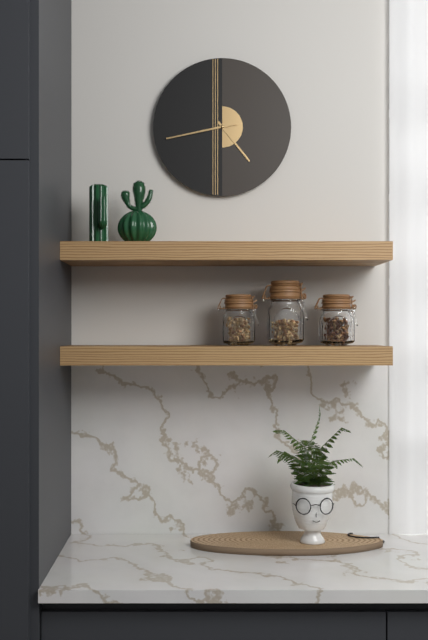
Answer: 4,43
